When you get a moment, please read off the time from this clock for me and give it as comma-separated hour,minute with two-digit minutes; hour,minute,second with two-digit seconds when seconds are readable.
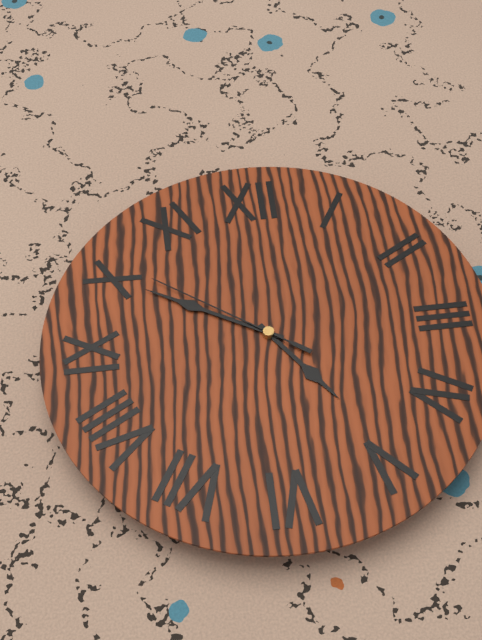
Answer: 4,50,51
